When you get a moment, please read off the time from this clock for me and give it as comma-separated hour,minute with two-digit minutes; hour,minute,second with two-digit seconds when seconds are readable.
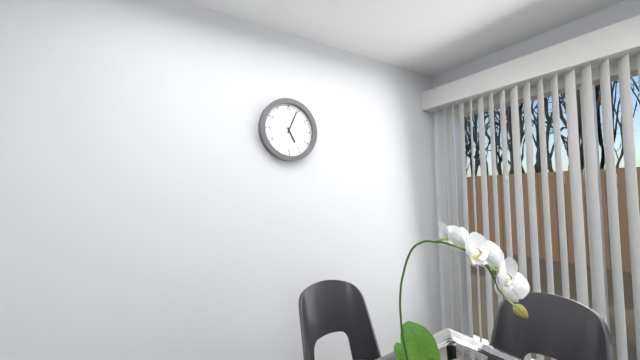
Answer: 5,04
